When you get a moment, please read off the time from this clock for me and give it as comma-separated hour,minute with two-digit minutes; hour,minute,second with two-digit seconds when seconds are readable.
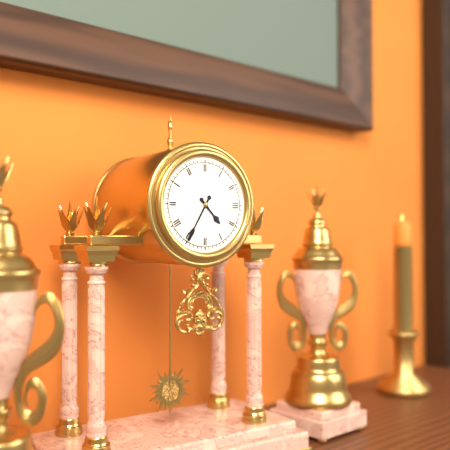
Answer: 4,35
